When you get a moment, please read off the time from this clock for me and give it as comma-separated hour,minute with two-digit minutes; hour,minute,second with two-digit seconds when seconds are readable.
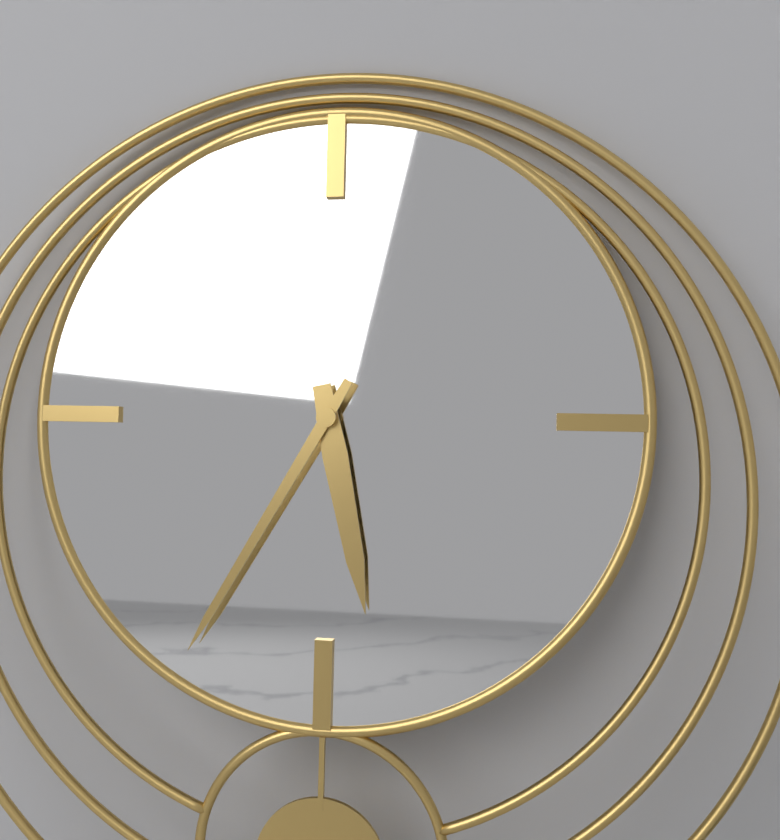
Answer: 5,35
